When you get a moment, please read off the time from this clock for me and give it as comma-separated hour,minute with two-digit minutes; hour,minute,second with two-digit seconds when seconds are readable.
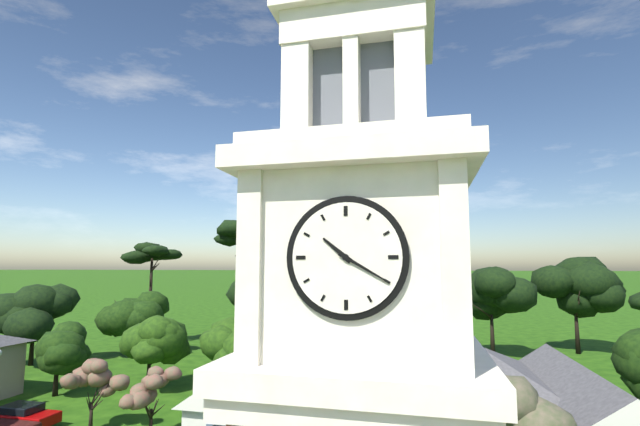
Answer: 10,20
